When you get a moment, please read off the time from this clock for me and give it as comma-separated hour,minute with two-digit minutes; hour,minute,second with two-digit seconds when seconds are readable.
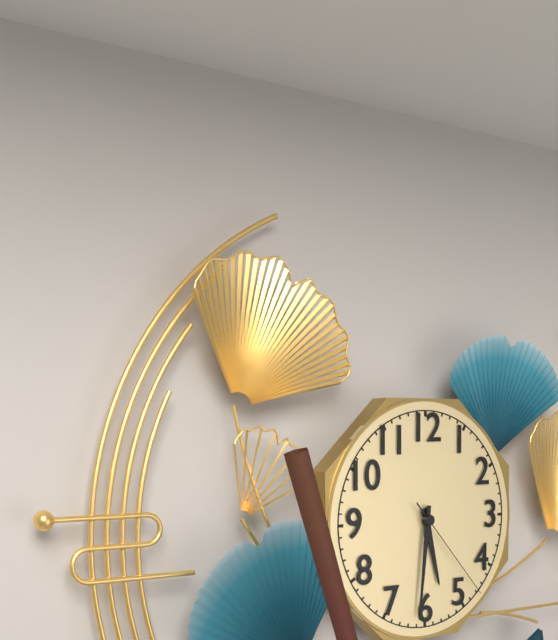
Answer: 5,31,23
